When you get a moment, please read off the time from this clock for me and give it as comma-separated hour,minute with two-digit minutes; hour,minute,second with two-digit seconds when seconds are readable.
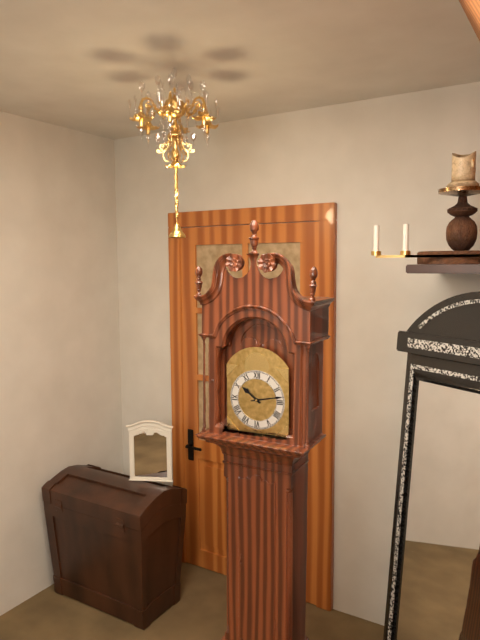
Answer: 10,13
